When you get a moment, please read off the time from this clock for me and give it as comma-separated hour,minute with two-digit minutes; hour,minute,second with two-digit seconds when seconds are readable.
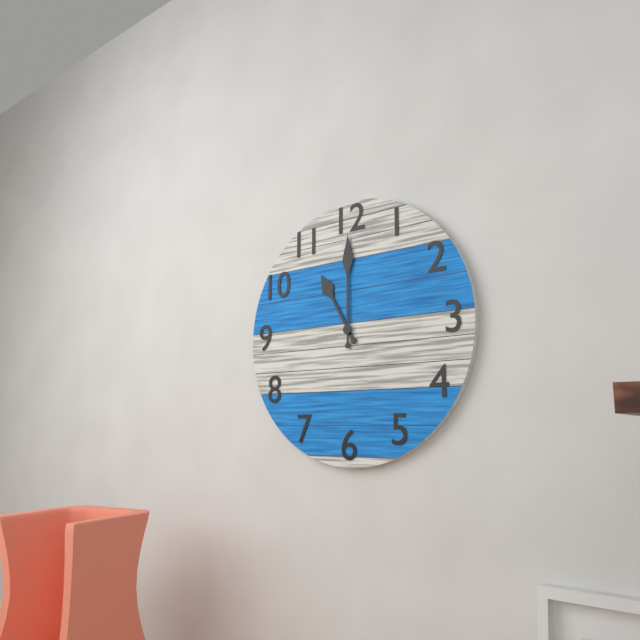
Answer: 11,00
